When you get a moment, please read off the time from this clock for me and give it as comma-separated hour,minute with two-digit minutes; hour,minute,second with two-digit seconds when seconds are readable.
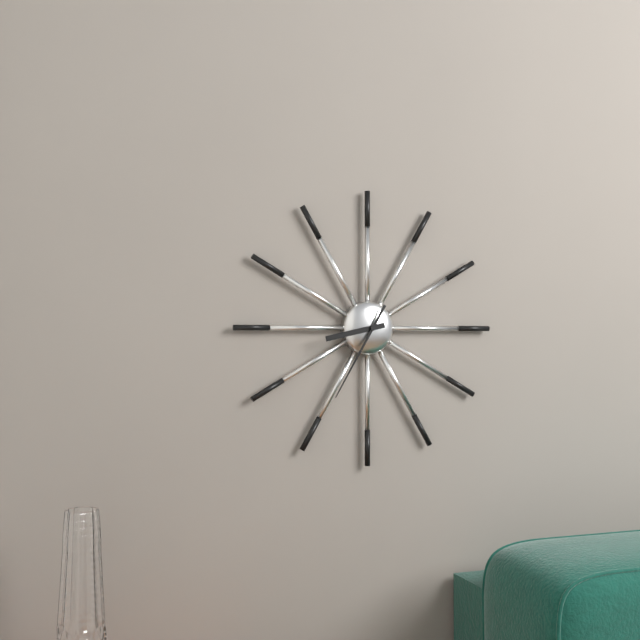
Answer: 8,35
